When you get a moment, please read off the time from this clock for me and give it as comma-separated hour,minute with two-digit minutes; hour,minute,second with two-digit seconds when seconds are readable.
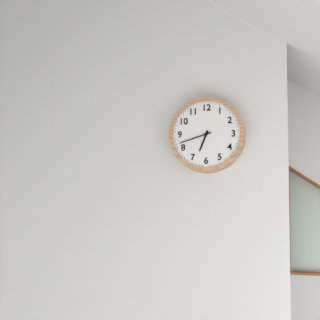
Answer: 6,42
